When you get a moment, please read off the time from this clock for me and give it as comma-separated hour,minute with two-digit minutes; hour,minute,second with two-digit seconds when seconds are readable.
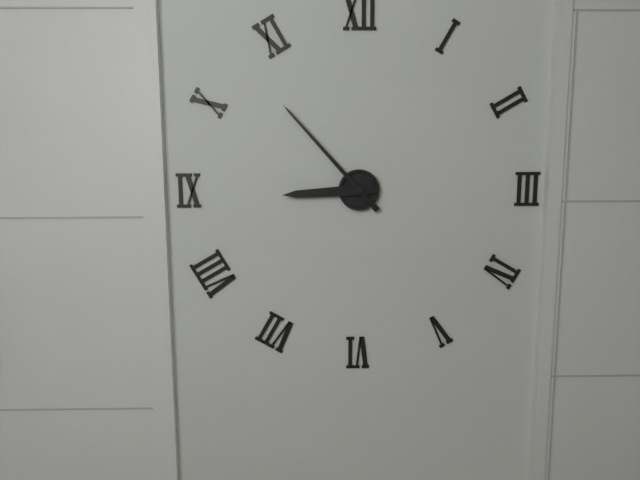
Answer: 8,53
